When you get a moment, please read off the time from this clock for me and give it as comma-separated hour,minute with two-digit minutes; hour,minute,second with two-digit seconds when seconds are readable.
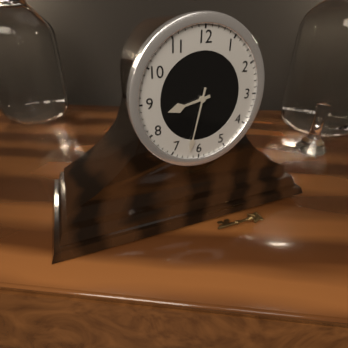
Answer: 8,32
